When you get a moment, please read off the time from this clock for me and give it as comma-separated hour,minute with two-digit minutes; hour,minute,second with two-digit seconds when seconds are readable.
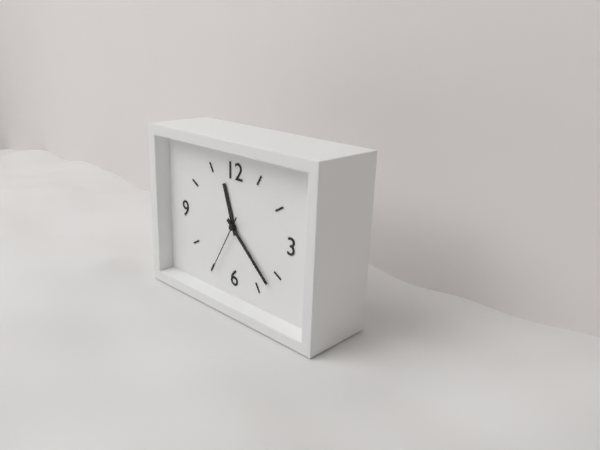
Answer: 11,22,35
